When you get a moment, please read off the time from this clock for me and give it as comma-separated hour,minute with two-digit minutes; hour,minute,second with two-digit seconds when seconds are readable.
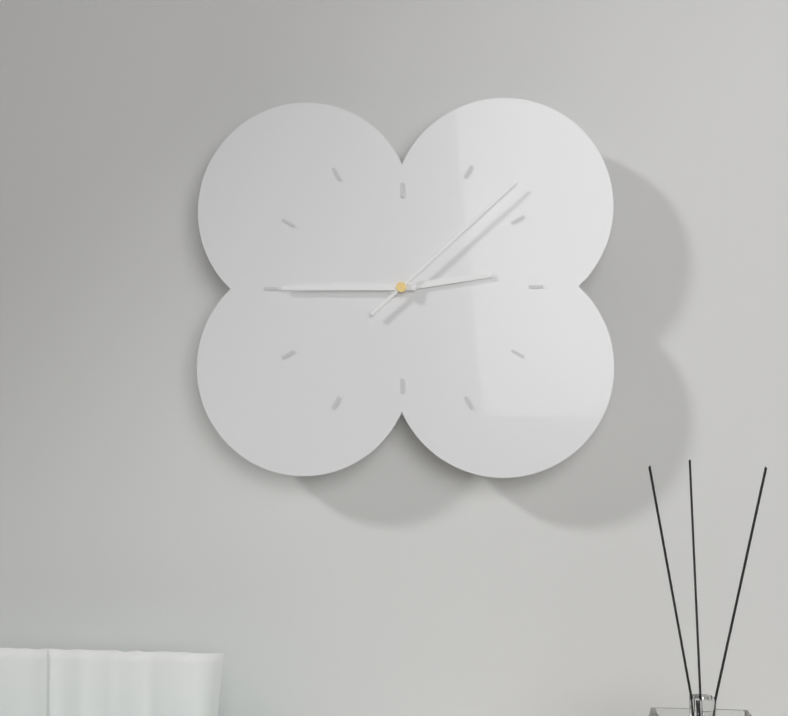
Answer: 2,45,08
